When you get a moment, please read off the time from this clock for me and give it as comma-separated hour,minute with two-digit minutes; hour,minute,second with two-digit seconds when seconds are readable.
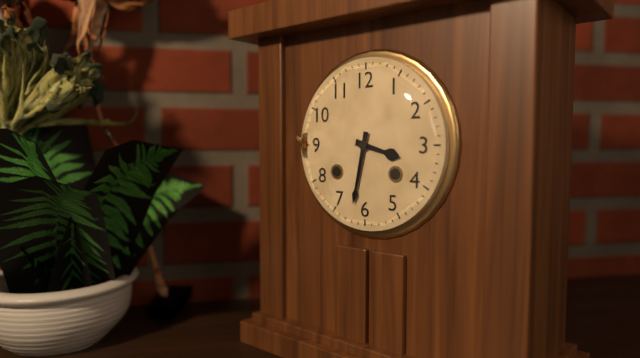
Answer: 3,32
